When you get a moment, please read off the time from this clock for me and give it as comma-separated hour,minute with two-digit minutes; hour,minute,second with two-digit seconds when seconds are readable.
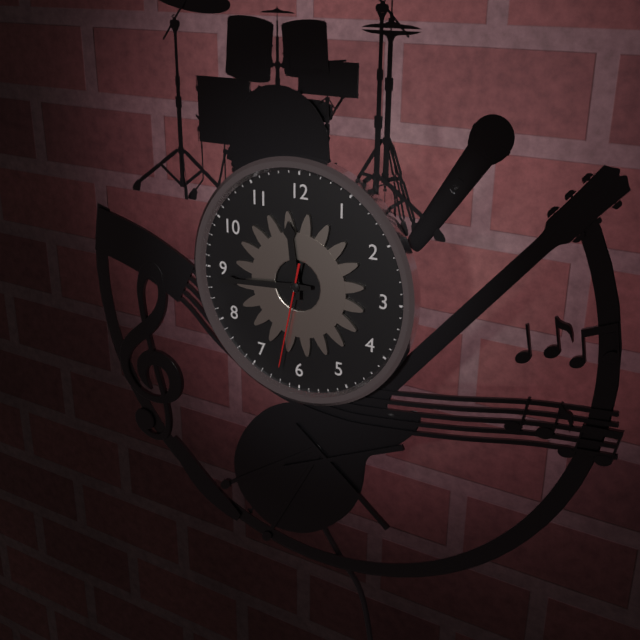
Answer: 11,44,32
